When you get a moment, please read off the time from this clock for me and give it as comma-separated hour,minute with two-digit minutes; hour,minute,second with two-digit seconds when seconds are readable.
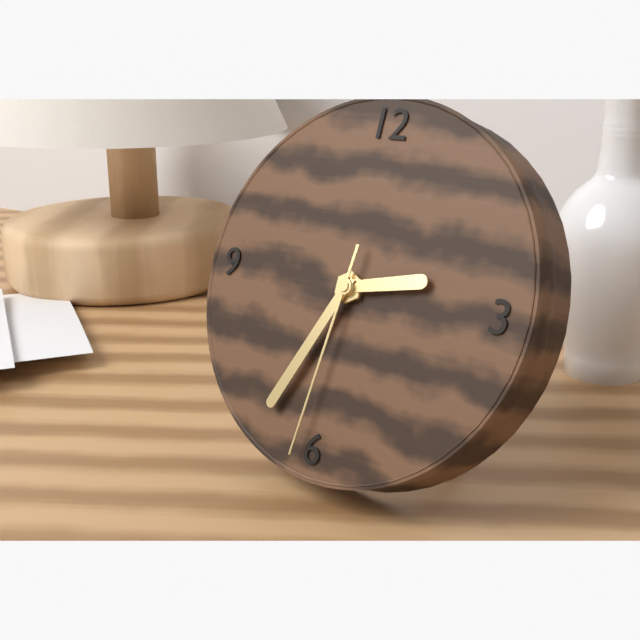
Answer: 2,34,31
